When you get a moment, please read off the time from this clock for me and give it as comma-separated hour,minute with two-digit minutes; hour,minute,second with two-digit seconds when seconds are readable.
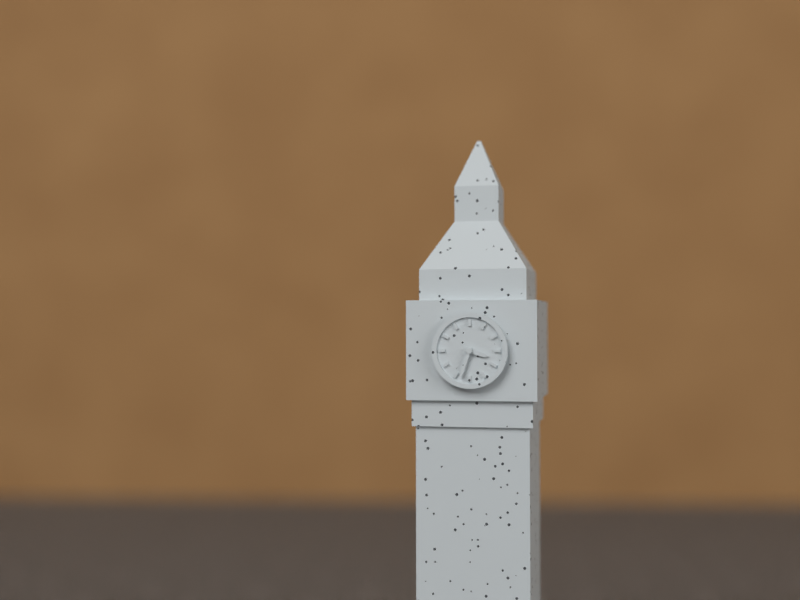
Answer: 3,33
